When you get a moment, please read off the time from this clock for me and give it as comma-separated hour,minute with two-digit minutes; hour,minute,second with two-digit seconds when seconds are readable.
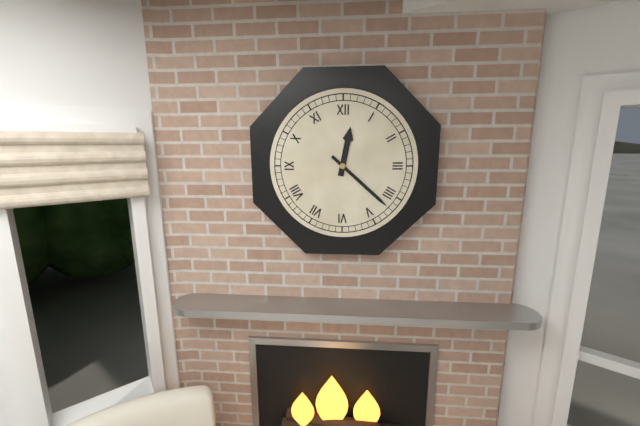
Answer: 12,22
